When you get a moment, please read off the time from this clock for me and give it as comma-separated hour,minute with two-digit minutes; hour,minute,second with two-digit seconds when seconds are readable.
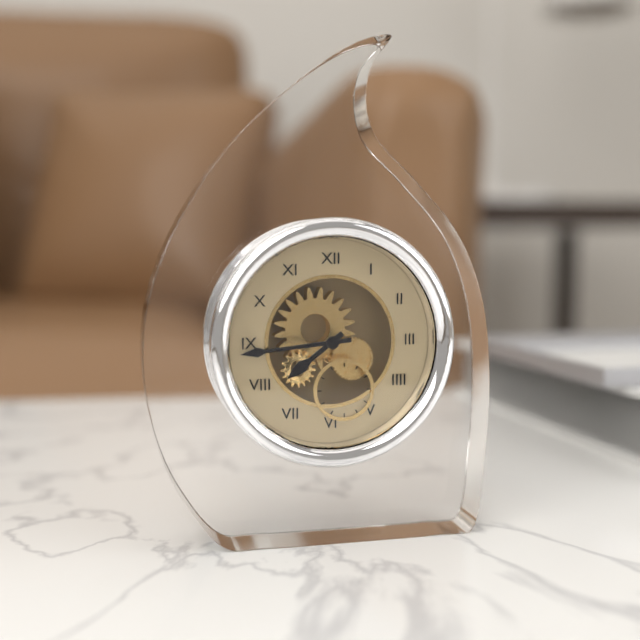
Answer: 7,44
